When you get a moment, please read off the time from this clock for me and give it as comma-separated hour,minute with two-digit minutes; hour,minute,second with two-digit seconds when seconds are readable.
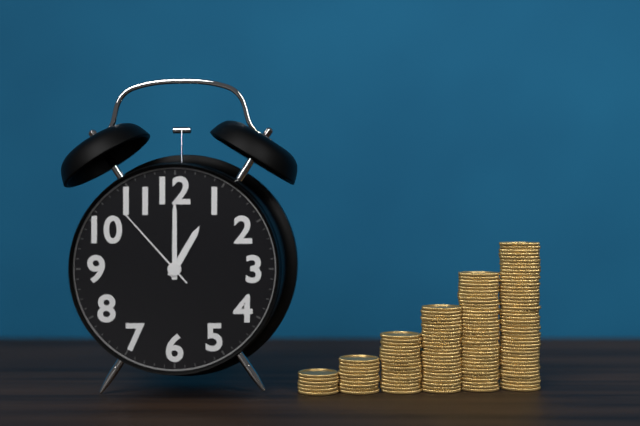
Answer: 1,00,53
